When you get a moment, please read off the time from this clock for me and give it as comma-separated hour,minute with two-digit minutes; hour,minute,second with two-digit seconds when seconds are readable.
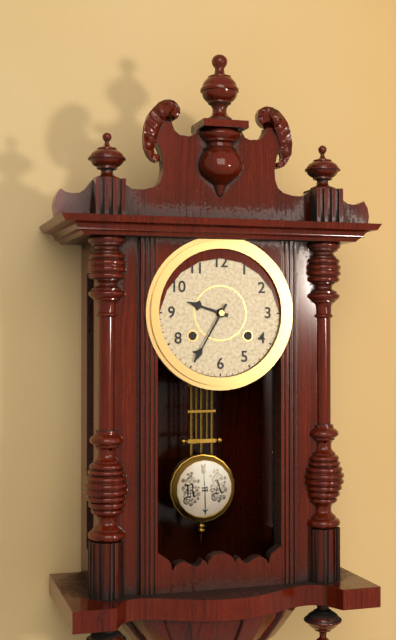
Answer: 9,35
